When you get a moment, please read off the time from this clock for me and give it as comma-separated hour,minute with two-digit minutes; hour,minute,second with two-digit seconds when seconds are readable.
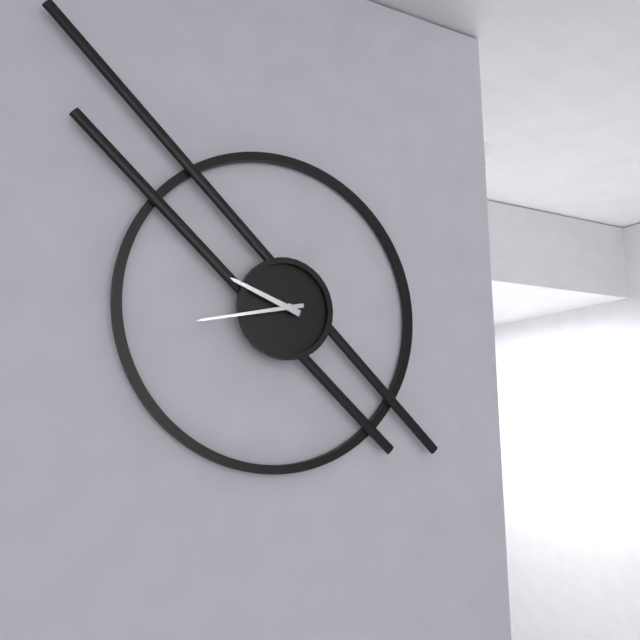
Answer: 9,43
